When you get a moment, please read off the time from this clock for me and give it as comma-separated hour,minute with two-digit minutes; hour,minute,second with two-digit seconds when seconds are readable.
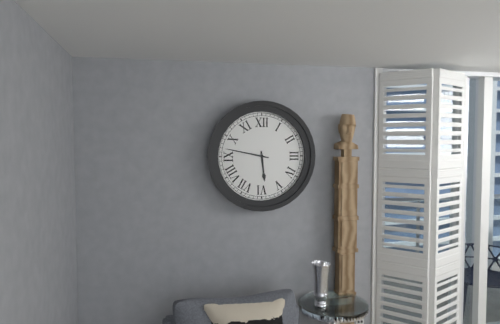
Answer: 5,47
